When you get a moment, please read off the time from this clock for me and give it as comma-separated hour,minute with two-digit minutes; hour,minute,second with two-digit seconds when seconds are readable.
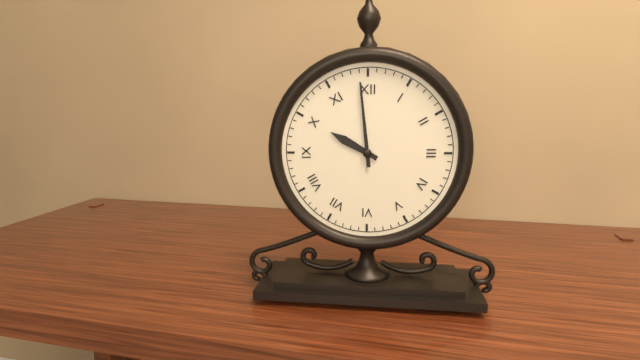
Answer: 9,59
